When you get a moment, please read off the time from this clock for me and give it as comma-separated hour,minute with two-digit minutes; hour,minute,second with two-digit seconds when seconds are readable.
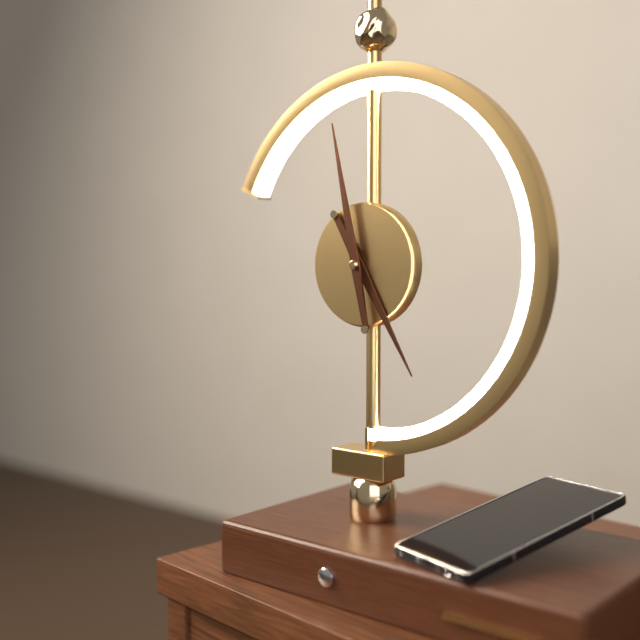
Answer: 4,58
